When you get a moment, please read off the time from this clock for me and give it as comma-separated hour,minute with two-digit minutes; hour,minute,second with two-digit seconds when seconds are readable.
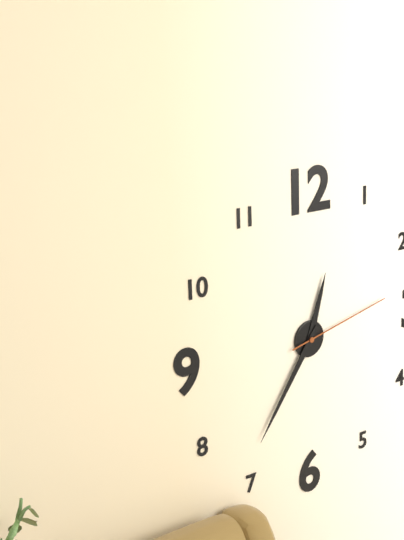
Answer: 12,36,13
